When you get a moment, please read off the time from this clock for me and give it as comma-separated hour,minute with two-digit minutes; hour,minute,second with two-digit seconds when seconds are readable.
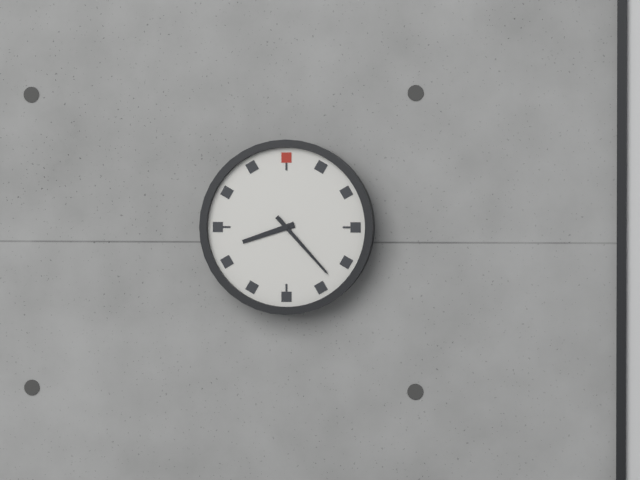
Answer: 8,23
